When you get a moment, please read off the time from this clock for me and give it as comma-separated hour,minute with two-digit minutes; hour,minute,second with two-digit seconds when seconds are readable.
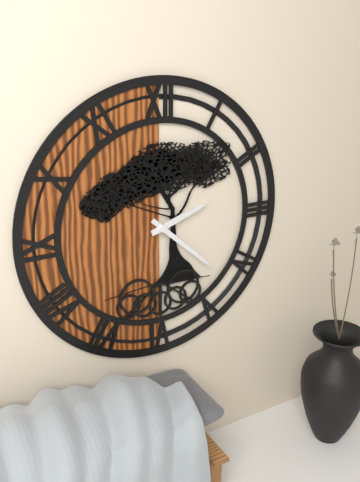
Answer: 2,22
